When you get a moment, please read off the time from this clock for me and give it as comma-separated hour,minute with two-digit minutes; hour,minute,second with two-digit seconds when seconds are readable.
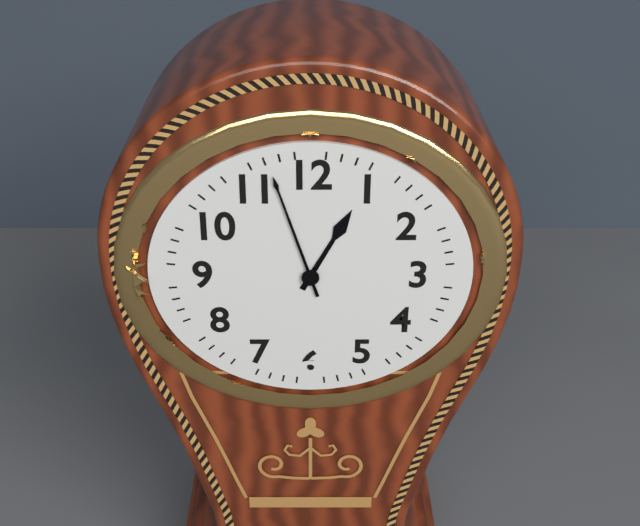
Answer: 12,57
